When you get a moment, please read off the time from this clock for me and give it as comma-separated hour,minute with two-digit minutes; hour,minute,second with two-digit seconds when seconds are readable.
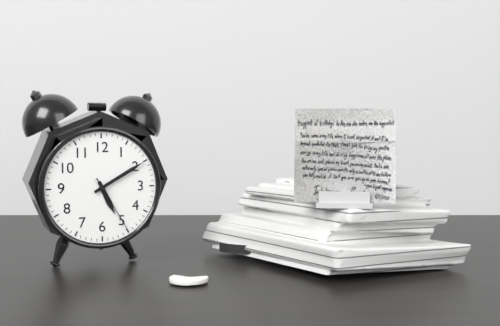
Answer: 5,10,25
